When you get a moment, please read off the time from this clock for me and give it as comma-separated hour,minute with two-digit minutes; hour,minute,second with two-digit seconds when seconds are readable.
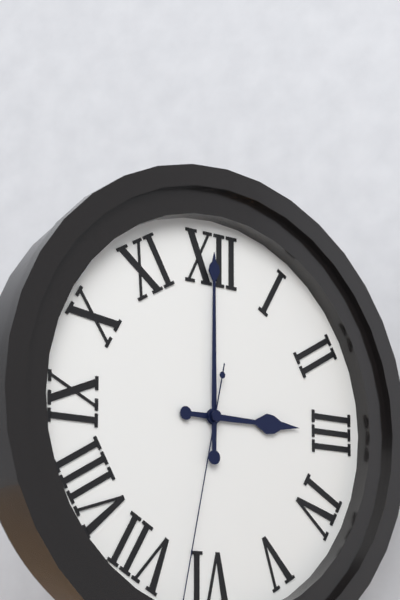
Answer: 3,00
